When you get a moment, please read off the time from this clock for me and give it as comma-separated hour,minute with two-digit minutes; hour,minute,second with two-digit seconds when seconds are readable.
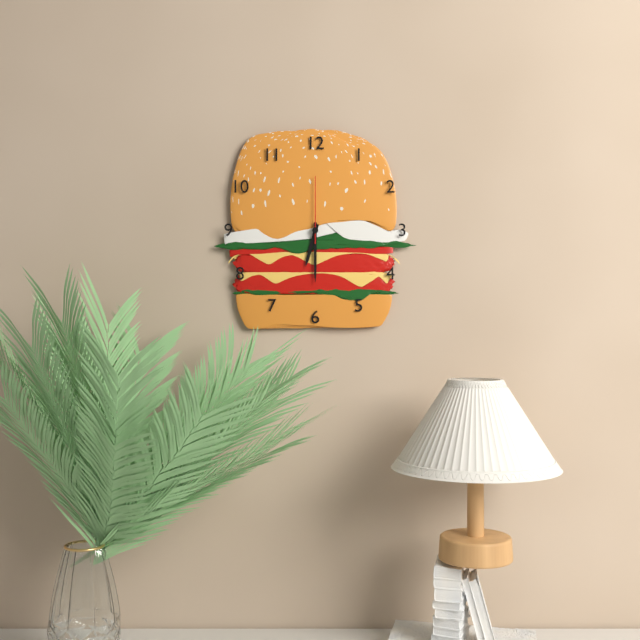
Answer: 6,30,00
